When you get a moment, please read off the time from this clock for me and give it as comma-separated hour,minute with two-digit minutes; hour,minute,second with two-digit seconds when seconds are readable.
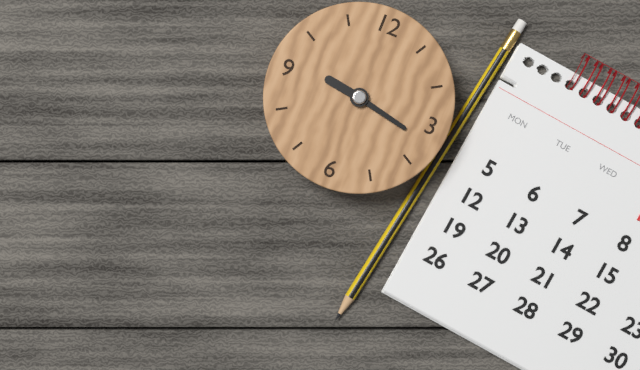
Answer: 9,17
